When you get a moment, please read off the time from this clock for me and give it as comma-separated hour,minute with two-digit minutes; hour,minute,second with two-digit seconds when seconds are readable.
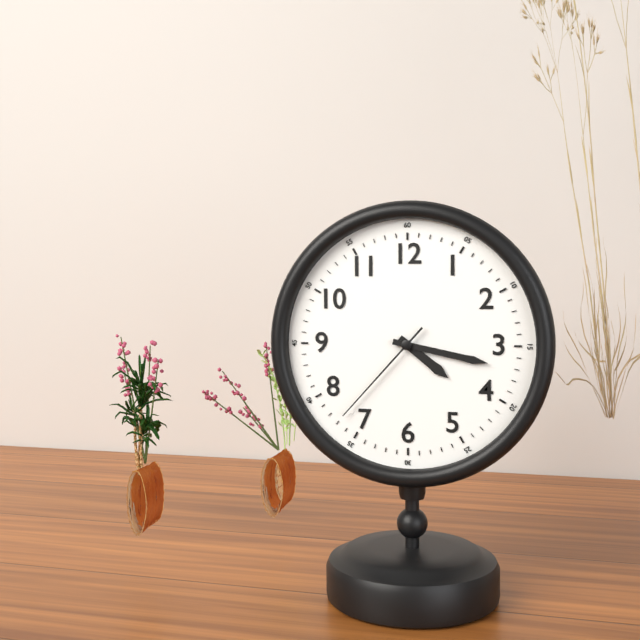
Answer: 4,17,37
